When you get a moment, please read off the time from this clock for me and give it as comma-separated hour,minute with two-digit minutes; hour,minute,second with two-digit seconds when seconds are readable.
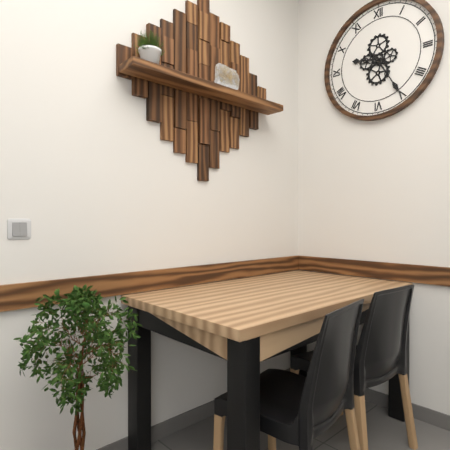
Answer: 9,25
